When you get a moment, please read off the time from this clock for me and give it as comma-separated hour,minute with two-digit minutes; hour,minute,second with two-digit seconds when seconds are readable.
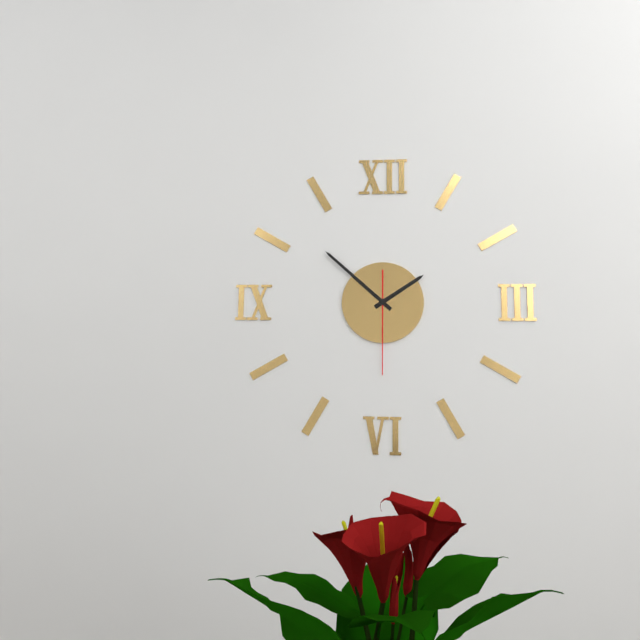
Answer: 1,52,30
